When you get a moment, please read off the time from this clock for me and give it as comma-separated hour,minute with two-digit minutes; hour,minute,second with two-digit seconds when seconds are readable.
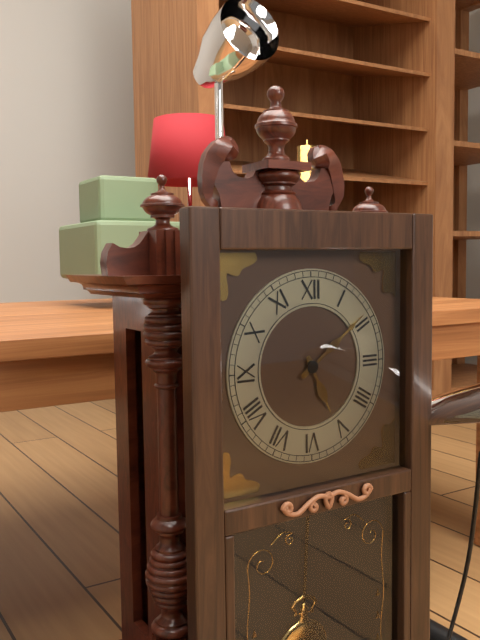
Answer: 5,09
